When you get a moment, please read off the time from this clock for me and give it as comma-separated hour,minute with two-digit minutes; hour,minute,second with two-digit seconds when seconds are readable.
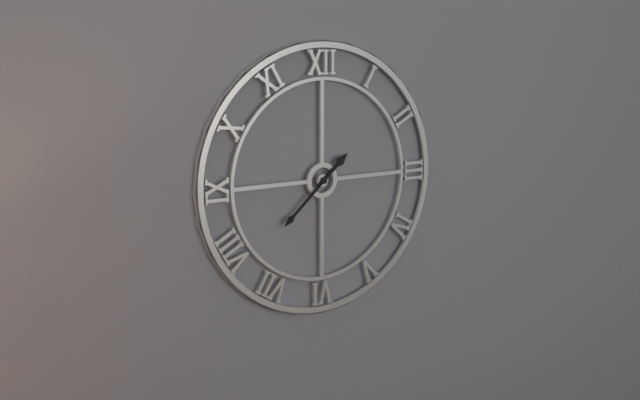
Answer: 1,38
